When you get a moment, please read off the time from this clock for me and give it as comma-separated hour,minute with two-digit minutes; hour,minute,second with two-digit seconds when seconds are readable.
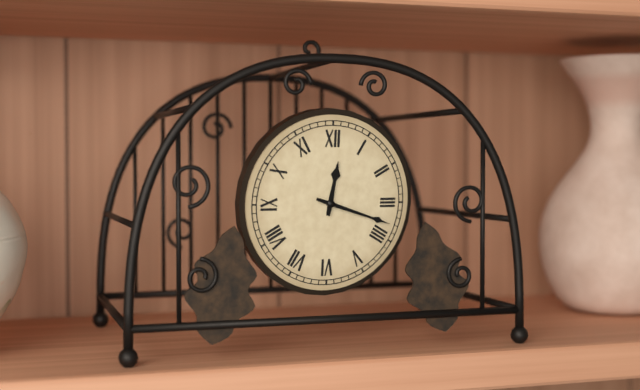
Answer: 12,18
